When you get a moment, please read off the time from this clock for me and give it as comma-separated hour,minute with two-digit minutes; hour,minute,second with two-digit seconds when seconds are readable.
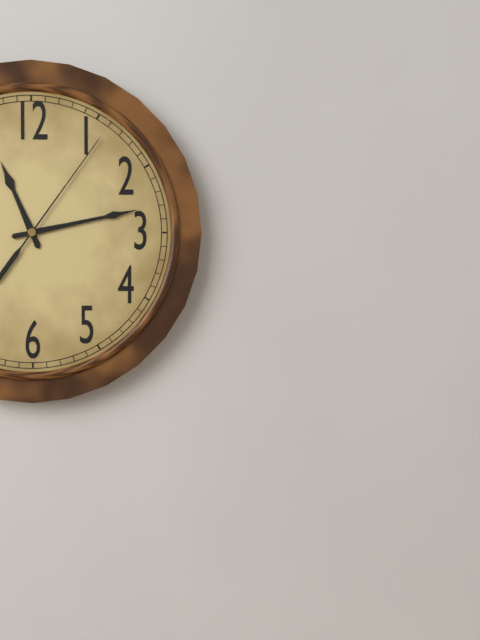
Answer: 11,13,06
